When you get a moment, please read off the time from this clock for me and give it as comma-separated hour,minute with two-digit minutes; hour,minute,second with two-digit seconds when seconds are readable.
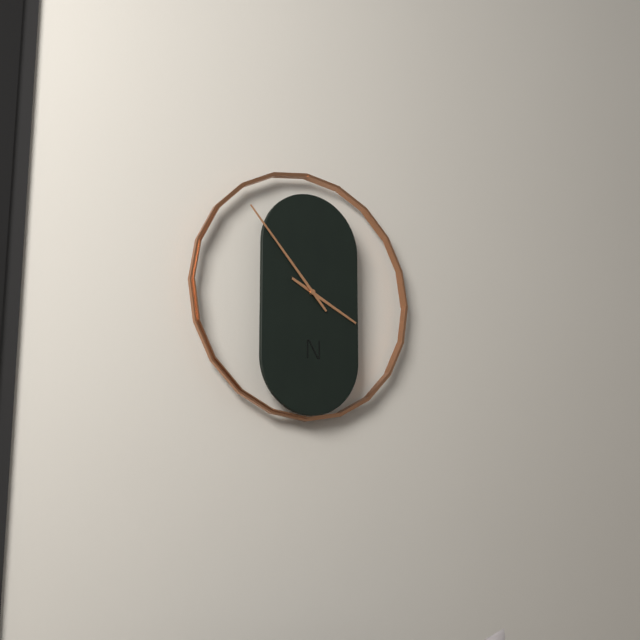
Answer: 3,53
